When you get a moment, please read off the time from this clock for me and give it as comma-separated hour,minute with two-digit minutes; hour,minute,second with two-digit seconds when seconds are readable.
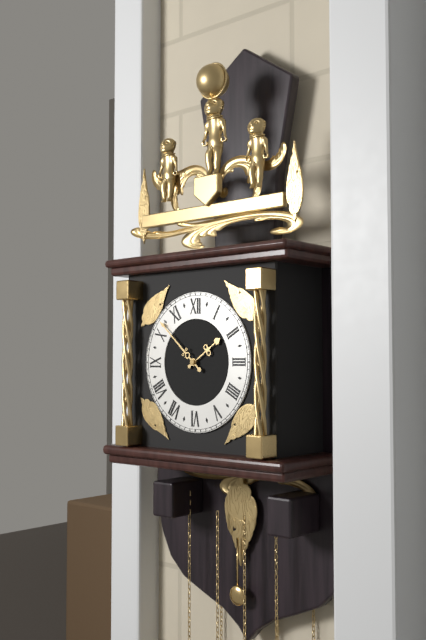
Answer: 1,52
